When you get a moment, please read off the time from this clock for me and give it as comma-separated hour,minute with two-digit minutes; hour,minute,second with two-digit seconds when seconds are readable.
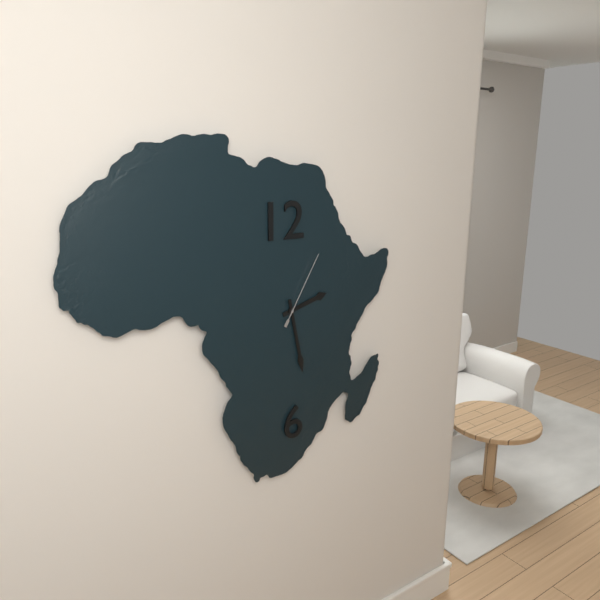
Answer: 2,28,05
